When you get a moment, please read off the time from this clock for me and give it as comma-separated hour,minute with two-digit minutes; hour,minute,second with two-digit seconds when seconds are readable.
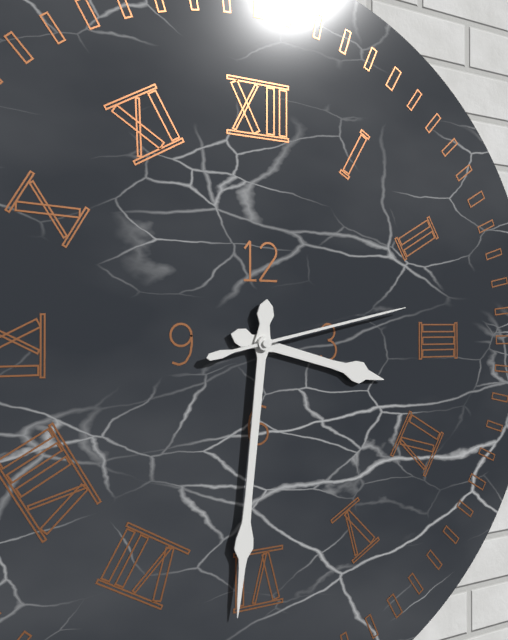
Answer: 3,31,13
